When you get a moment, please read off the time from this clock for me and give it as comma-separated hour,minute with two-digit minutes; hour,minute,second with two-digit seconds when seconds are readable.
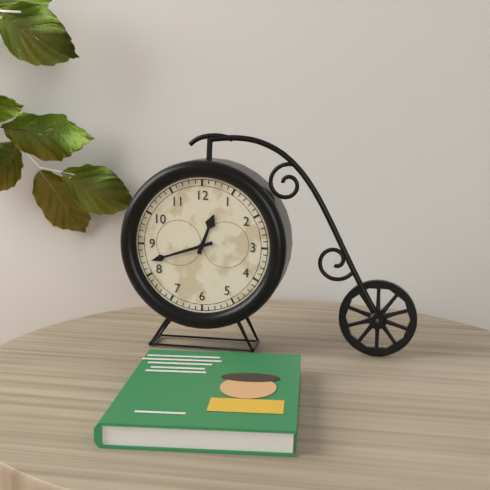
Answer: 12,42
